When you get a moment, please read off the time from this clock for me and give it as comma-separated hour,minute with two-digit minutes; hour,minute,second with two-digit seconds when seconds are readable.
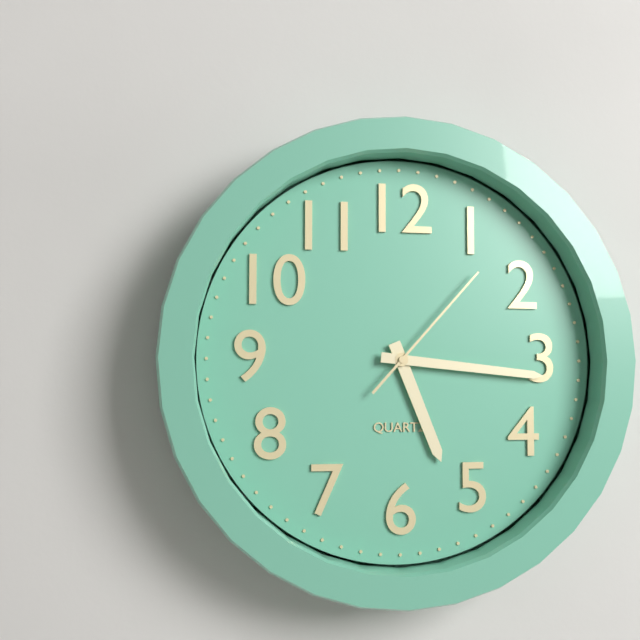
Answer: 5,16,07
